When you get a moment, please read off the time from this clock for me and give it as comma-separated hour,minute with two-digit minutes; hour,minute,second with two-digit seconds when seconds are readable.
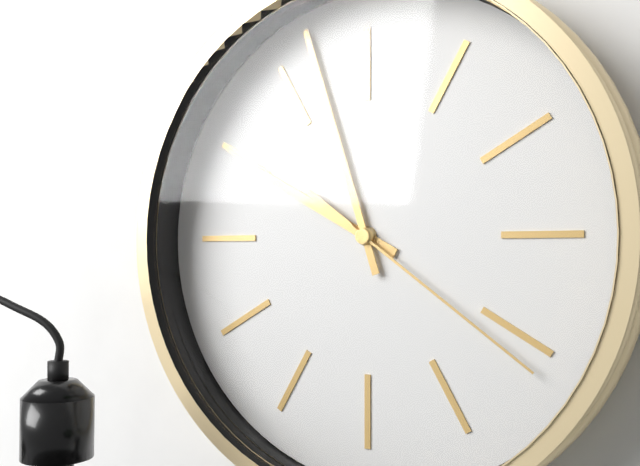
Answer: 9,57,21
